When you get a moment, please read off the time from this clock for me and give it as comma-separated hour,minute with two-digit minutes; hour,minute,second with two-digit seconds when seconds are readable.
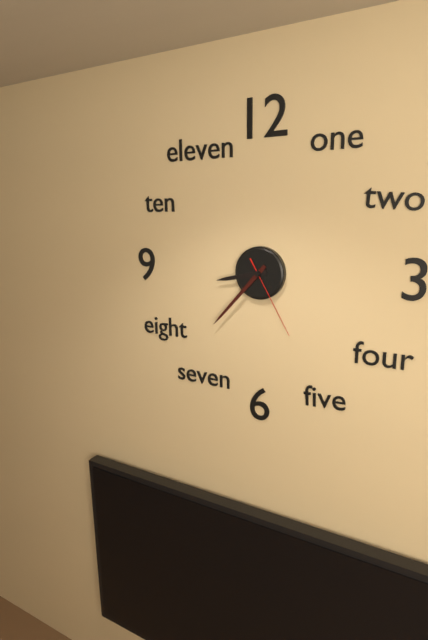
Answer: 8,37,25
